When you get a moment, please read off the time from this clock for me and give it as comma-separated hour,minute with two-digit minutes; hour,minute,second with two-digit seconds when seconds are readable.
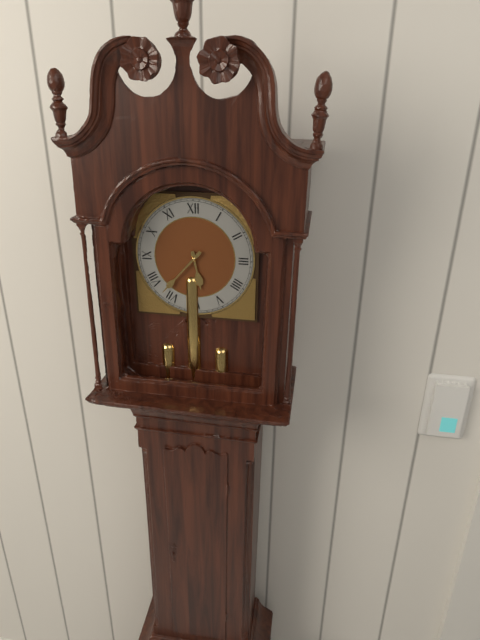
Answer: 5,37
